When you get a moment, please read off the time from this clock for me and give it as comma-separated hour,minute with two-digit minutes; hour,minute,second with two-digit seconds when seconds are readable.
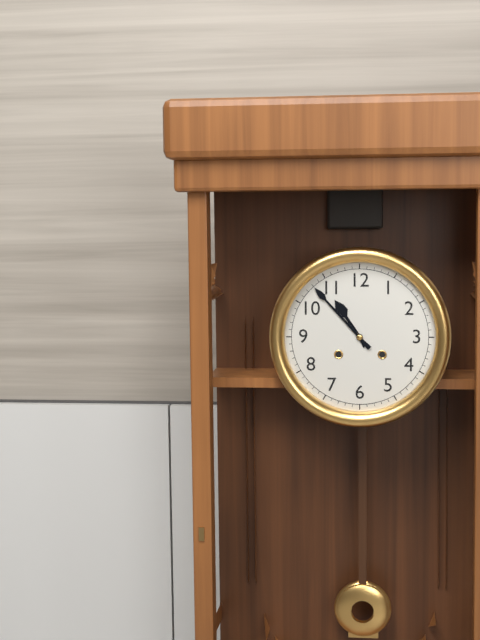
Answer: 10,53
